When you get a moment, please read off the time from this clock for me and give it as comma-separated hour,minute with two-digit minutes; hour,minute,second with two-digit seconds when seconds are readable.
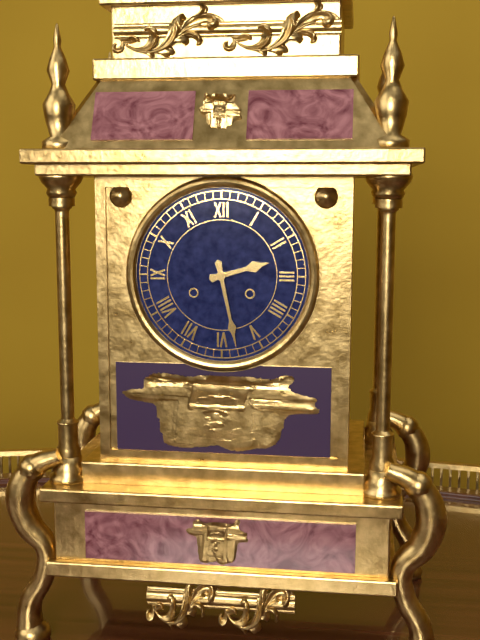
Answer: 2,28
